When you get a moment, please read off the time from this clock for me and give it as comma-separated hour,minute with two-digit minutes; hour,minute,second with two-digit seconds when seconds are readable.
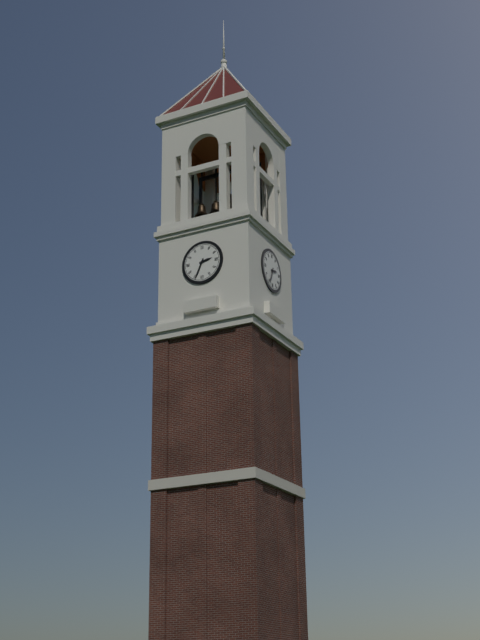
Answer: 2,34
